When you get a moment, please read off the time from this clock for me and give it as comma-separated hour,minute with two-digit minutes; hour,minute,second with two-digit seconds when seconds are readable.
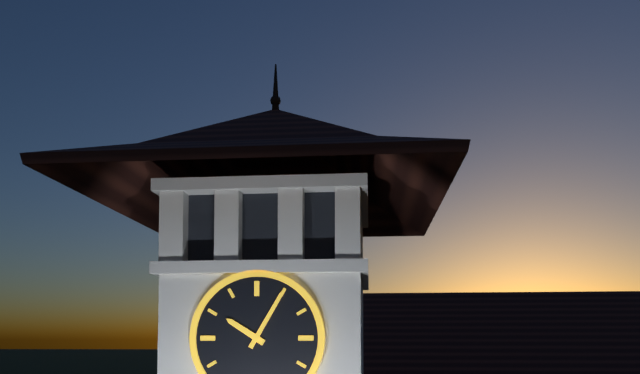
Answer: 10,05
